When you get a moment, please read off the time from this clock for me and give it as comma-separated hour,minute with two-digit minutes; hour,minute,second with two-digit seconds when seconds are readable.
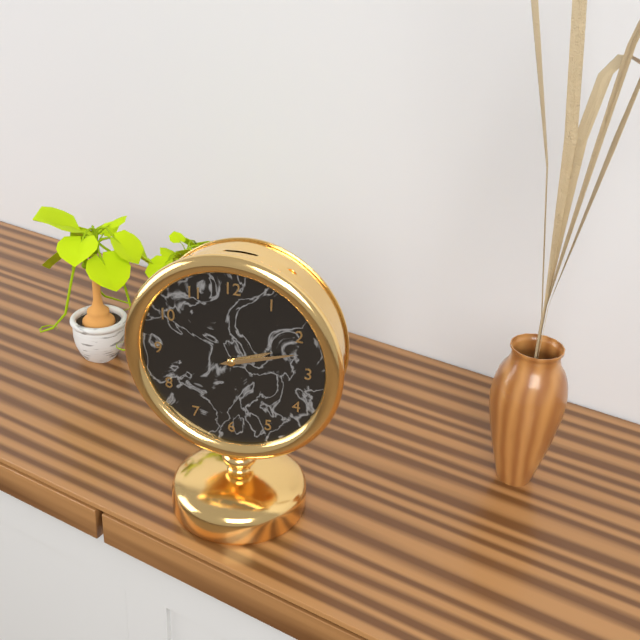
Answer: 2,12
